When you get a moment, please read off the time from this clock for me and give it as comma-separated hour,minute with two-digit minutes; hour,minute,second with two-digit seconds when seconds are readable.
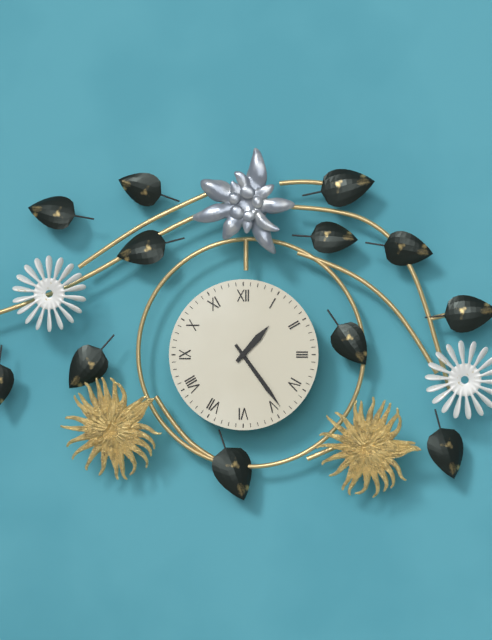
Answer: 1,24
